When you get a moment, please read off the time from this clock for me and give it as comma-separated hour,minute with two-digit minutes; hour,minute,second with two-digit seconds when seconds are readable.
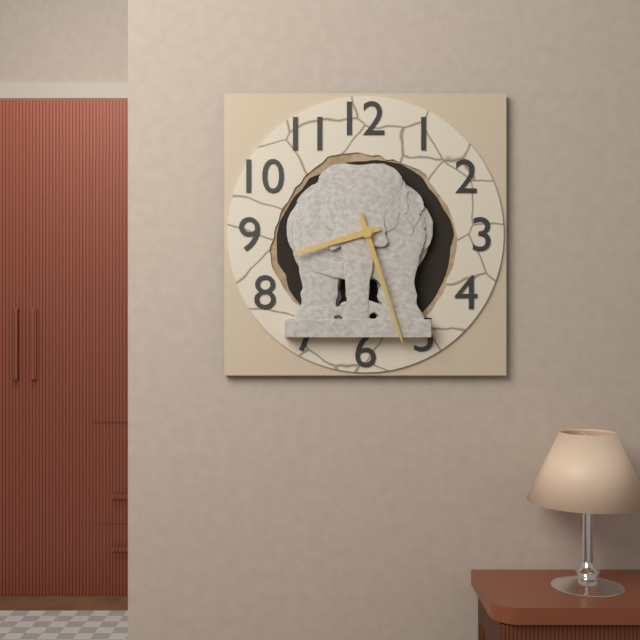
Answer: 8,27
